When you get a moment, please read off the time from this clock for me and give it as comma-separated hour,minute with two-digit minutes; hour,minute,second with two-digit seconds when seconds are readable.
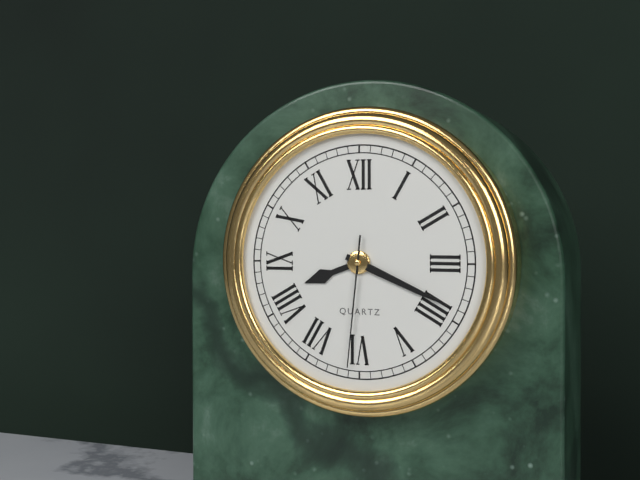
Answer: 8,19,31
